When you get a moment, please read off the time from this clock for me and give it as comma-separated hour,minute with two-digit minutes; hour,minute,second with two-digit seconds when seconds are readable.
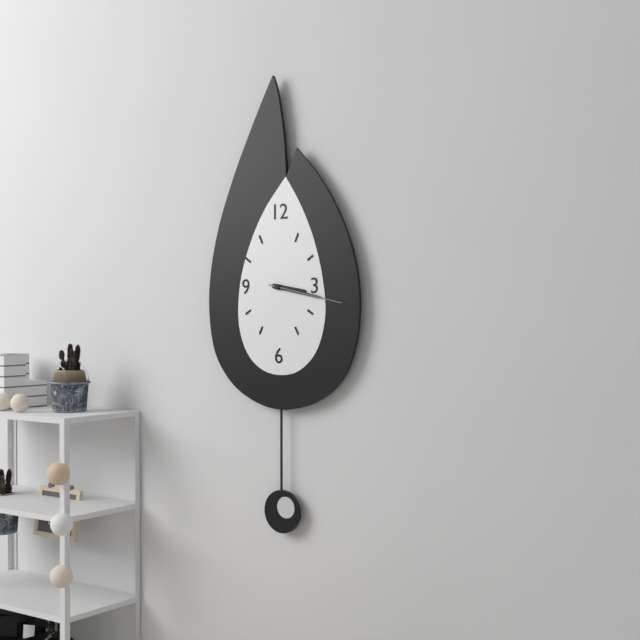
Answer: 3,17,17
